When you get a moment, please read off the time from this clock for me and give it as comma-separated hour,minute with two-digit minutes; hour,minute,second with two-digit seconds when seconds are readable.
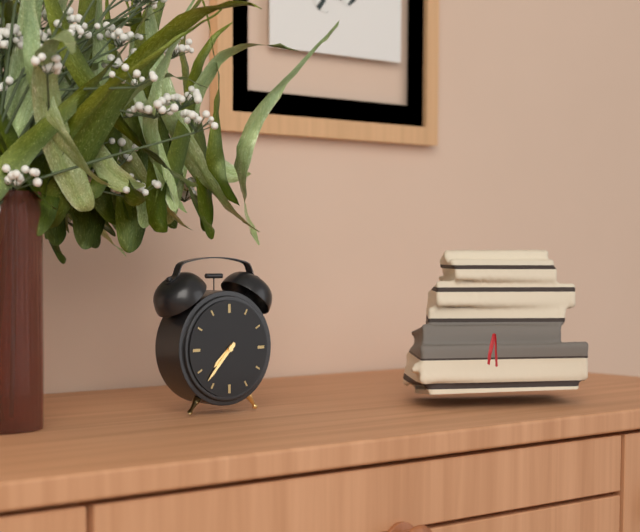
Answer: 7,37
